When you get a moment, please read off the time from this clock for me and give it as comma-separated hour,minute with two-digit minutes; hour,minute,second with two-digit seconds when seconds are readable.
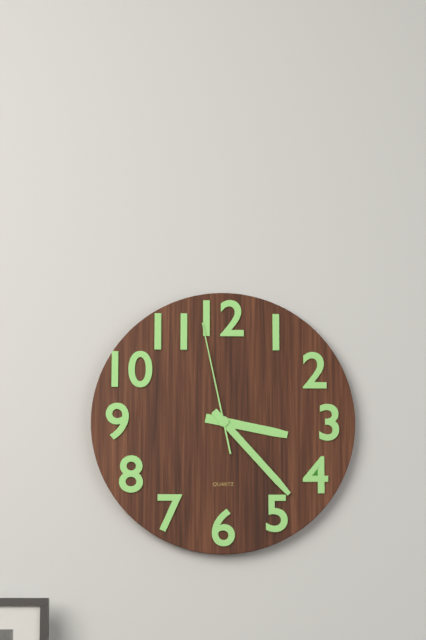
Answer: 3,23,58
